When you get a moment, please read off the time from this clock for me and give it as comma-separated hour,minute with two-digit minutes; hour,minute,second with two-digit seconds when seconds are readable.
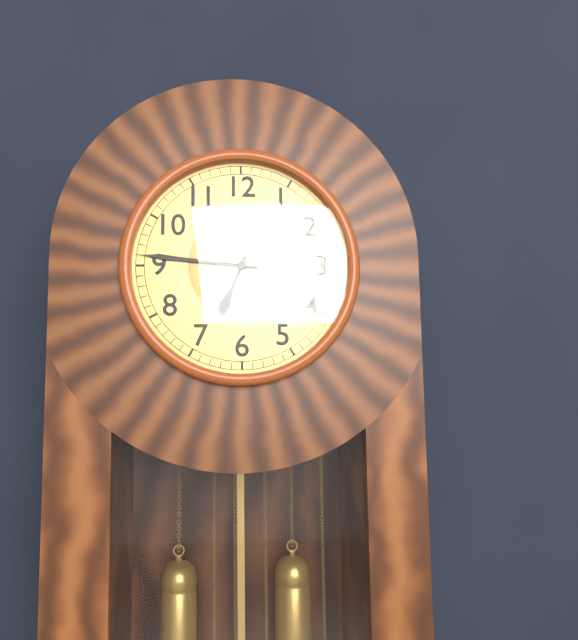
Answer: 6,46
